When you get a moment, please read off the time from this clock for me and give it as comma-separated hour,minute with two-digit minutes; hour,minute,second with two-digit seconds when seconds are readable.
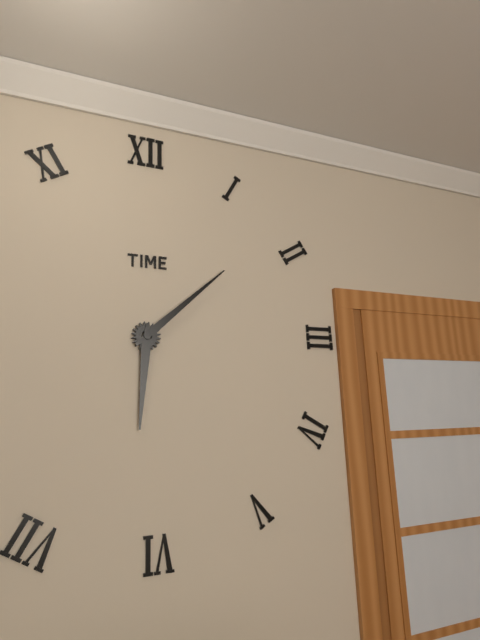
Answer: 6,08
